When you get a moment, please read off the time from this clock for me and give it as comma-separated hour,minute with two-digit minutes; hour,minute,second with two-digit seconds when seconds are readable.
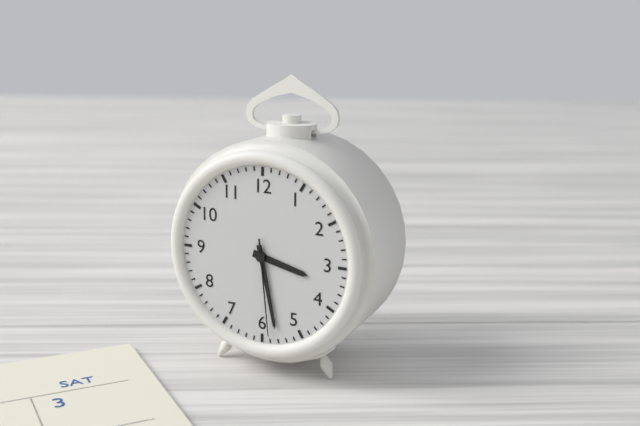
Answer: 3,28,29
